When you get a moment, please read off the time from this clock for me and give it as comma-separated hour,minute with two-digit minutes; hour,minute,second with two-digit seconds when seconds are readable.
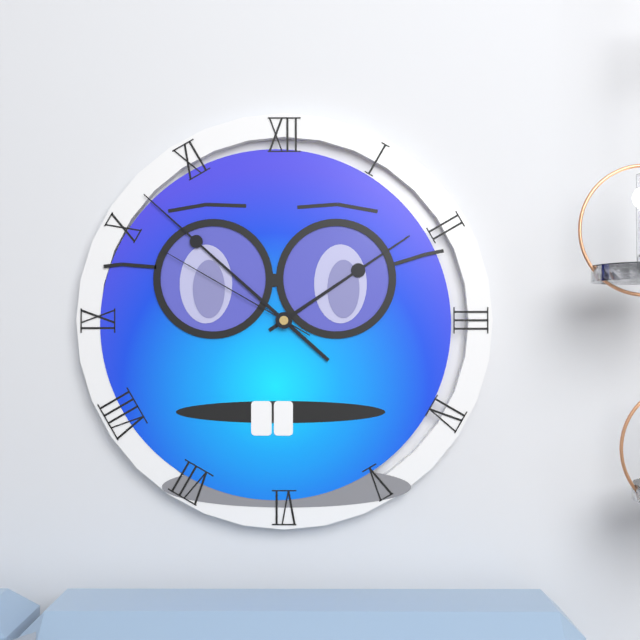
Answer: 1,52,50
